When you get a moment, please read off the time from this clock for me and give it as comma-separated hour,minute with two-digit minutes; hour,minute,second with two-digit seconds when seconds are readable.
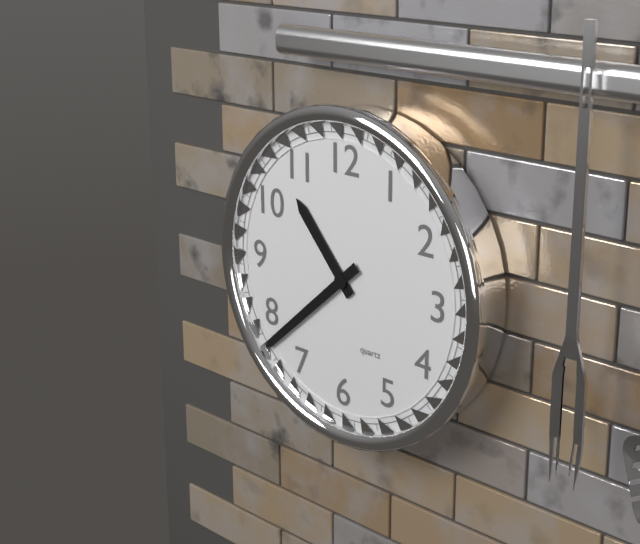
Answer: 10,38
